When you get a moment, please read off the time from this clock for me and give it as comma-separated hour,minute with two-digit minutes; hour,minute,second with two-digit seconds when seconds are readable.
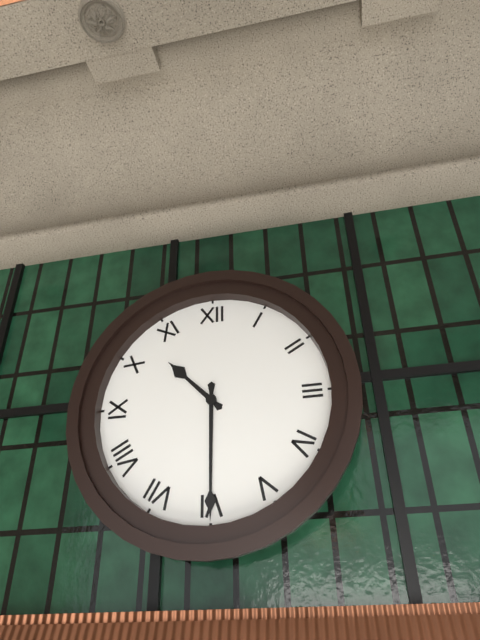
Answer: 10,30
